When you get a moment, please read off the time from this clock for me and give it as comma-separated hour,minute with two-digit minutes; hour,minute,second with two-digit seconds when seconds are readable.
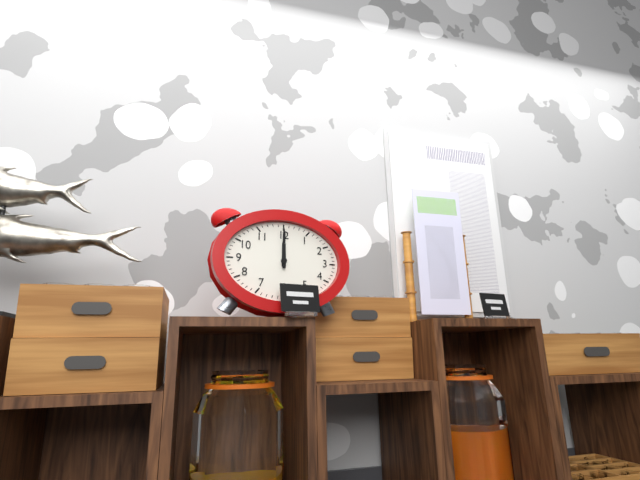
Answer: 12,00
